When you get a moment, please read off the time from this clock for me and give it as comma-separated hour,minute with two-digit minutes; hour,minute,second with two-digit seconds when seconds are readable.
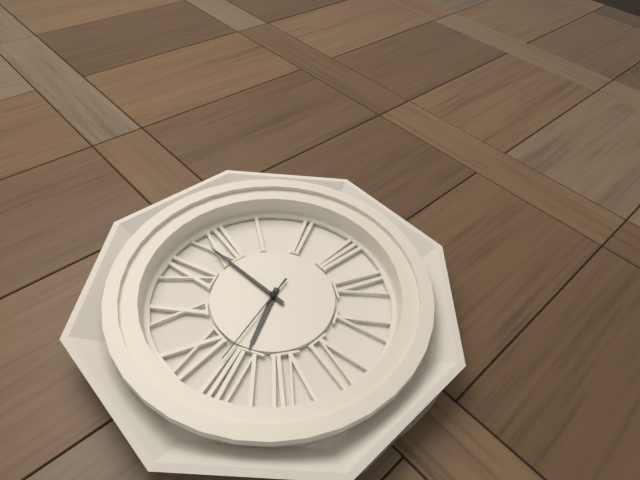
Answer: 7,59,42
